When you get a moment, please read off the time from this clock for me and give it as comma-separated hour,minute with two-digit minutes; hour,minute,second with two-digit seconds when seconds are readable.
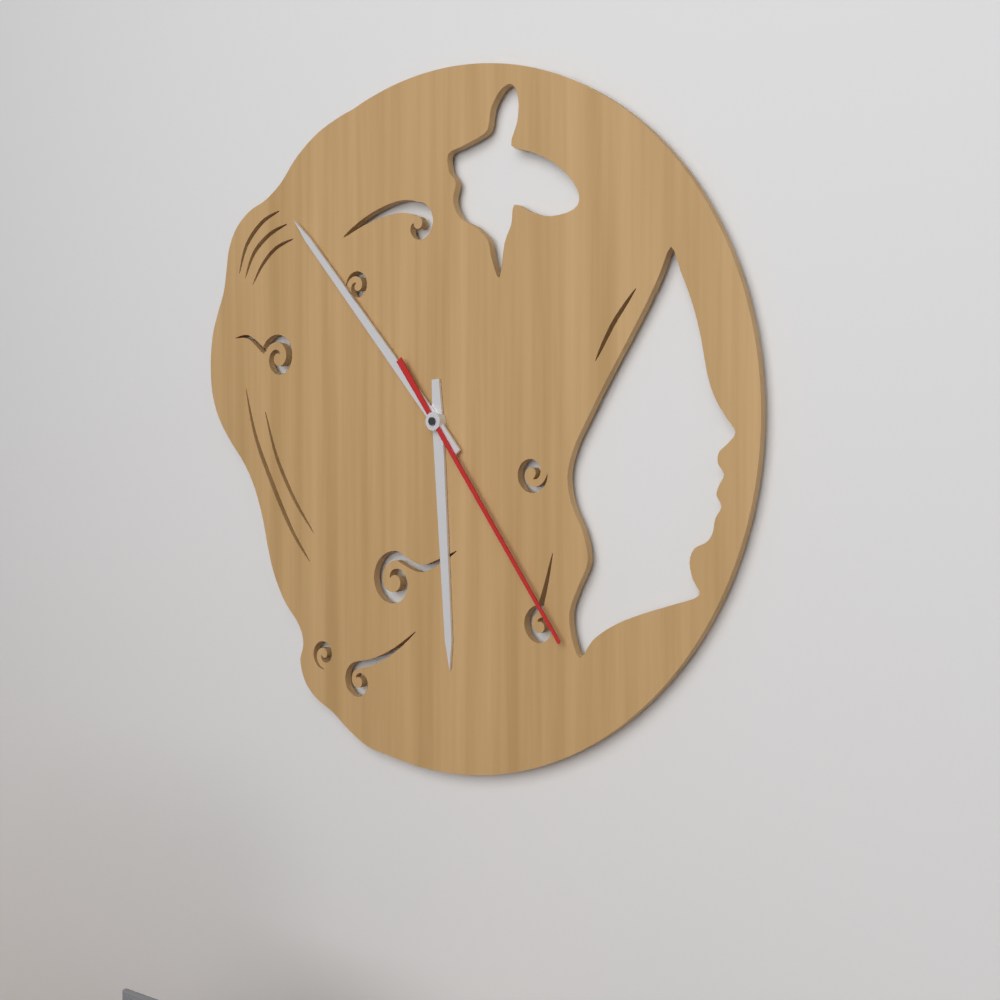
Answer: 5,53,24
